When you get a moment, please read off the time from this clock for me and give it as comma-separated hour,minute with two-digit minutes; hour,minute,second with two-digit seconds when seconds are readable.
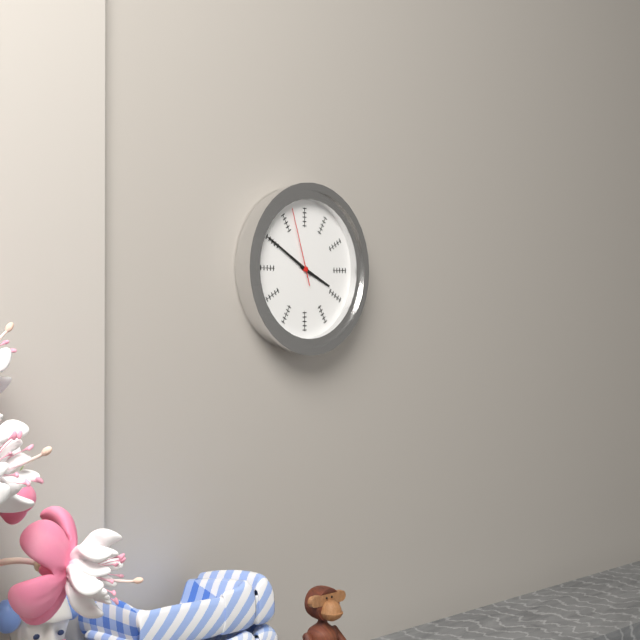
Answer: 3,50,57
